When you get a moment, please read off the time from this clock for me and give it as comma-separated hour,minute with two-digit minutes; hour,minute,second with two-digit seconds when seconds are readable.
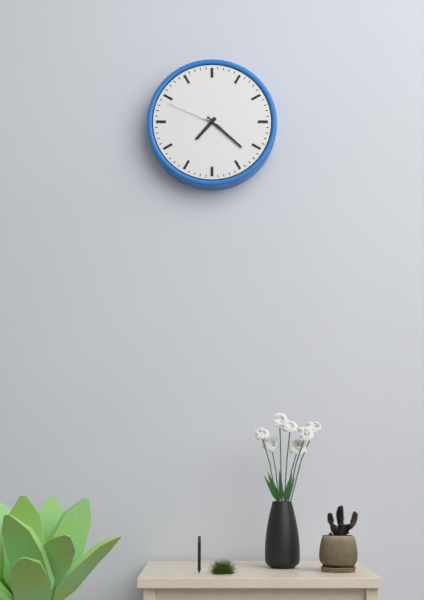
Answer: 7,22,49
